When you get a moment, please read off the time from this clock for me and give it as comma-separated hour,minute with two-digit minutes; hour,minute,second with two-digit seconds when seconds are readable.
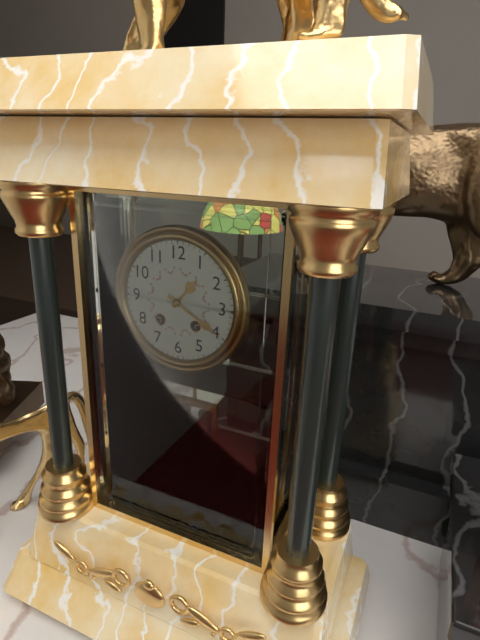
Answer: 1,20
